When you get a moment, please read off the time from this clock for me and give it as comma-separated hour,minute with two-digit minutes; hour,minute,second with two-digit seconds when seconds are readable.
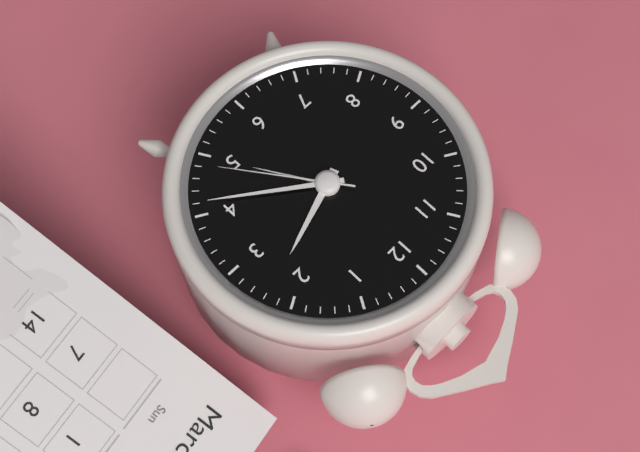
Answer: 2,21,24
